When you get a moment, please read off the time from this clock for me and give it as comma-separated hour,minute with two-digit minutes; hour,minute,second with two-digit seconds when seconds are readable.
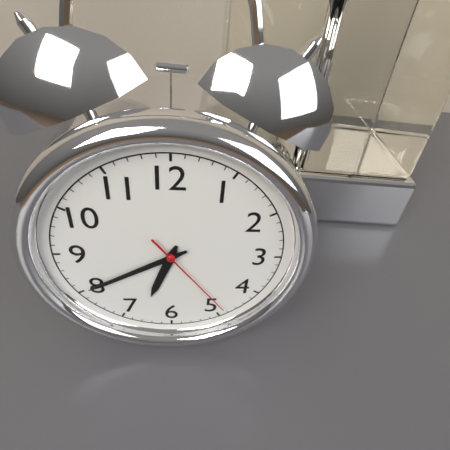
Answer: 6,40,24
